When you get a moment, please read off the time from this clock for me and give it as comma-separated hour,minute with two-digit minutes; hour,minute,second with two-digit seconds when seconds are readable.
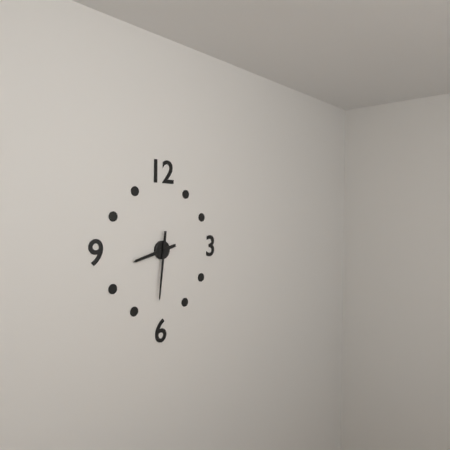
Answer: 8,31
